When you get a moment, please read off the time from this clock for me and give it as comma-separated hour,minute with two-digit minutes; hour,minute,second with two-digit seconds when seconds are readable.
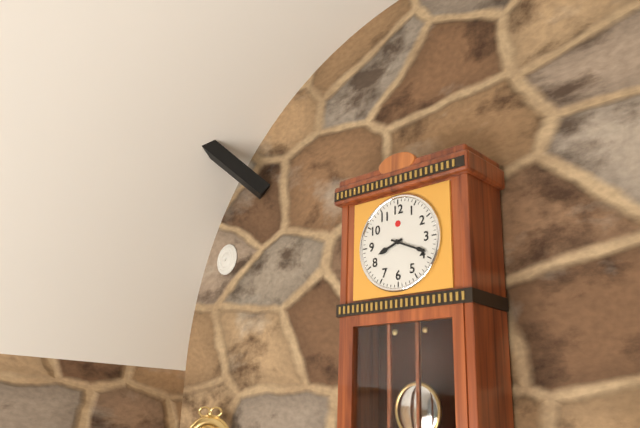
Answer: 8,19
